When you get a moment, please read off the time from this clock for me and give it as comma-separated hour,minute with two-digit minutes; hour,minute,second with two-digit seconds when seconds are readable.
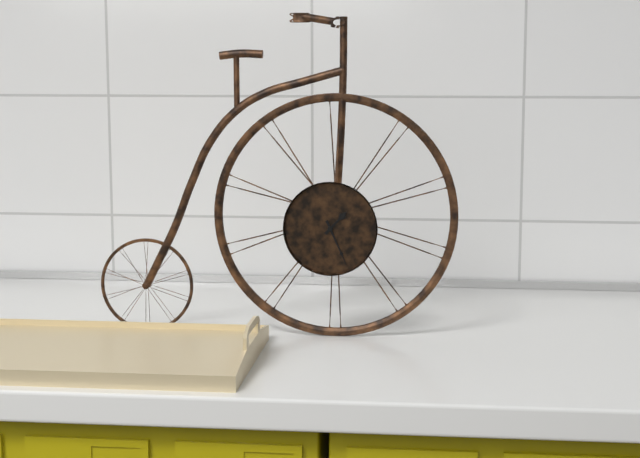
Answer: 1,26
